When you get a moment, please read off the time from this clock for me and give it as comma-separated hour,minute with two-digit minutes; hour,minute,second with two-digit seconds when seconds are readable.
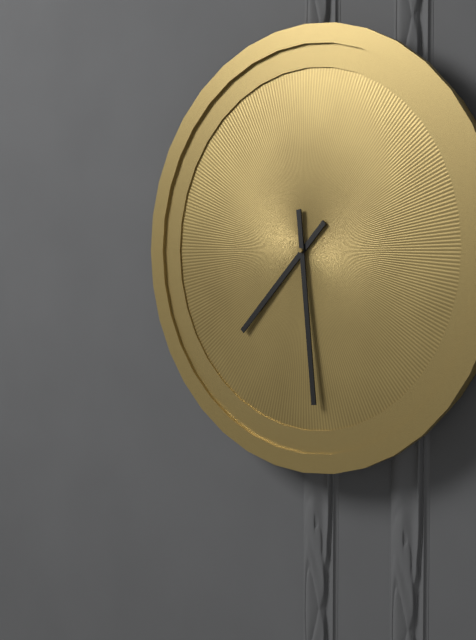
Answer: 7,29
